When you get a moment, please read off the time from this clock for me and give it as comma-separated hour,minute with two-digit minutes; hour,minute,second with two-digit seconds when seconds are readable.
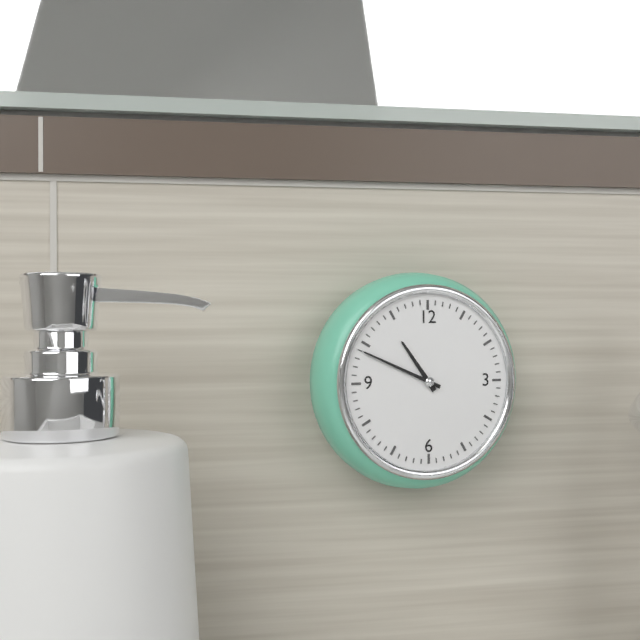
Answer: 10,49
